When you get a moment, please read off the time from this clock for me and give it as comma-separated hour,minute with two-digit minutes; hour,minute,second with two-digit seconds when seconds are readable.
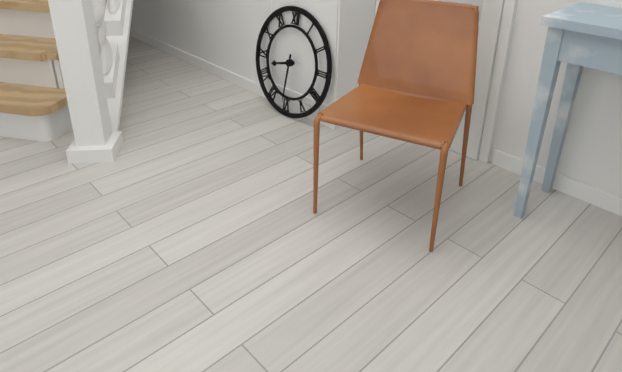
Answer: 8,31
